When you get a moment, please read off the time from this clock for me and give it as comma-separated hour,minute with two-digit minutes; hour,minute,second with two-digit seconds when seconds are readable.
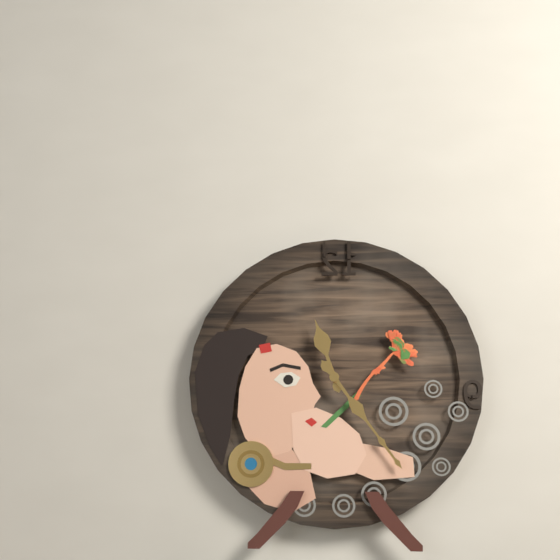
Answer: 11,24
